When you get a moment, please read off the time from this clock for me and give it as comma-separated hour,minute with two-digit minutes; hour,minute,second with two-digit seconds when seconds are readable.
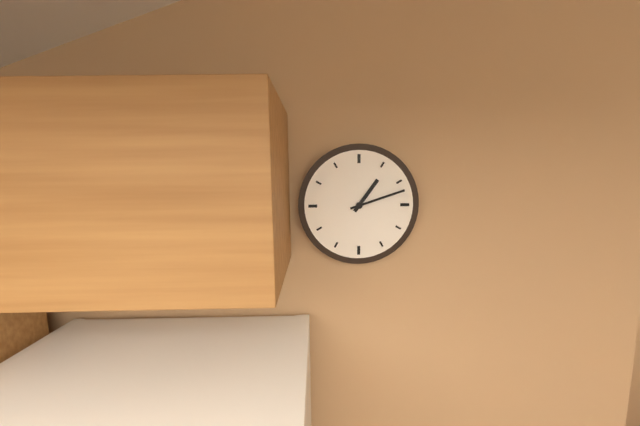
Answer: 1,12
